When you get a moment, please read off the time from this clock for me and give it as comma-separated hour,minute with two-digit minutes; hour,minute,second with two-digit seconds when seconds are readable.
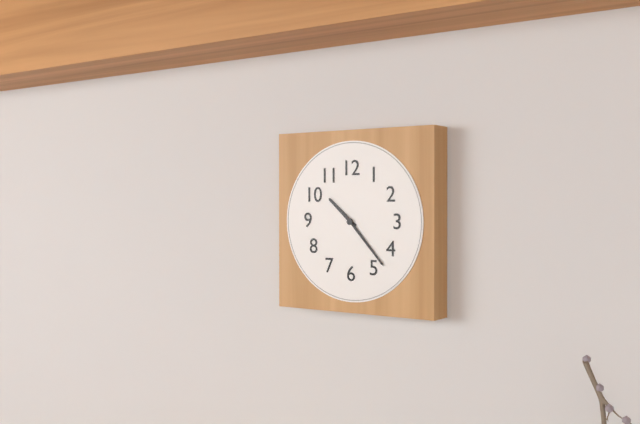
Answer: 10,23
